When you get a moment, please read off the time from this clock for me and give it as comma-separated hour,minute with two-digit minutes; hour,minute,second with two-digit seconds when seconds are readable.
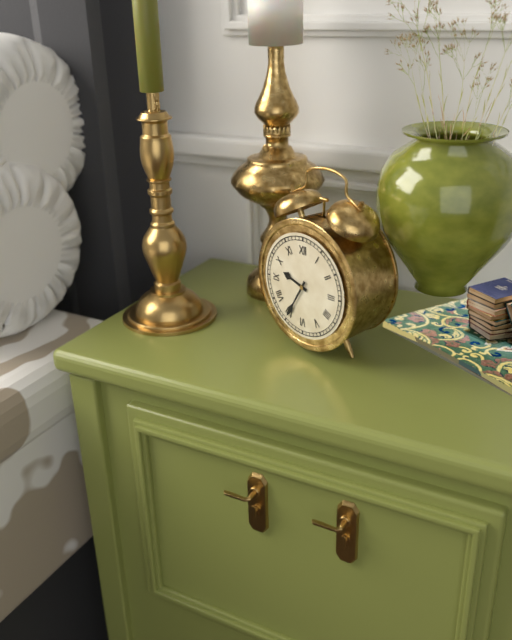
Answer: 9,35
